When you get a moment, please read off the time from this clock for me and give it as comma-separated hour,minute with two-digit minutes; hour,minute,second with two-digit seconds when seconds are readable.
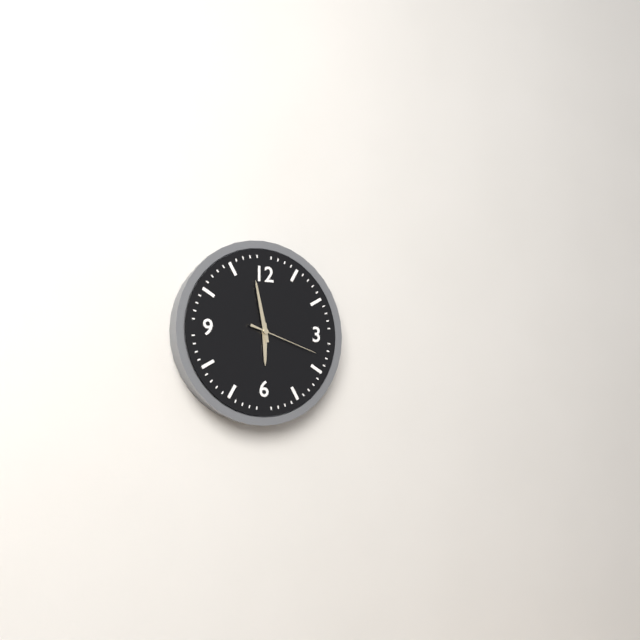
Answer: 5,58,18
